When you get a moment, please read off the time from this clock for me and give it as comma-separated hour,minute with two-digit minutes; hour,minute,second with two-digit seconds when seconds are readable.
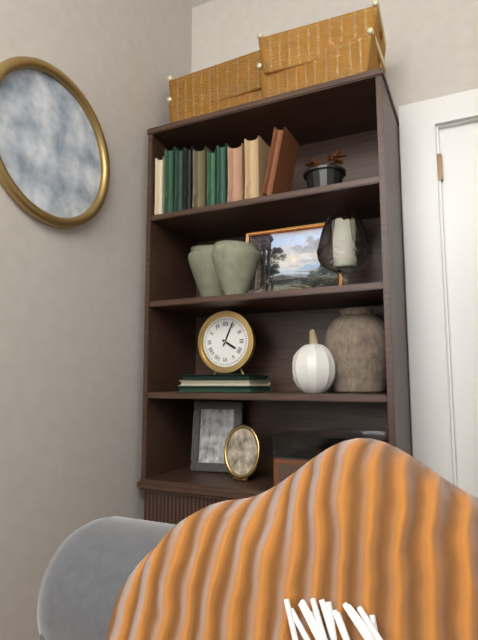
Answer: 4,04
